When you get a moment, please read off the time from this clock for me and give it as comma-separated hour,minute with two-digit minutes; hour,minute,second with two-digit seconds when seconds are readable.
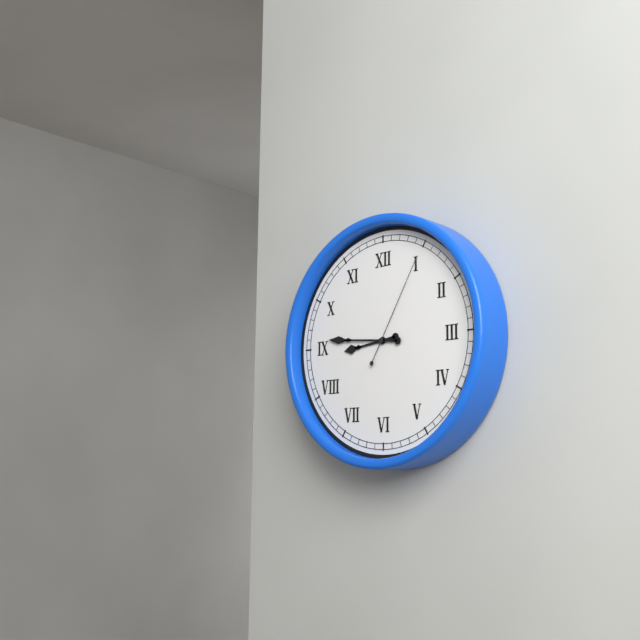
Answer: 8,46,05
